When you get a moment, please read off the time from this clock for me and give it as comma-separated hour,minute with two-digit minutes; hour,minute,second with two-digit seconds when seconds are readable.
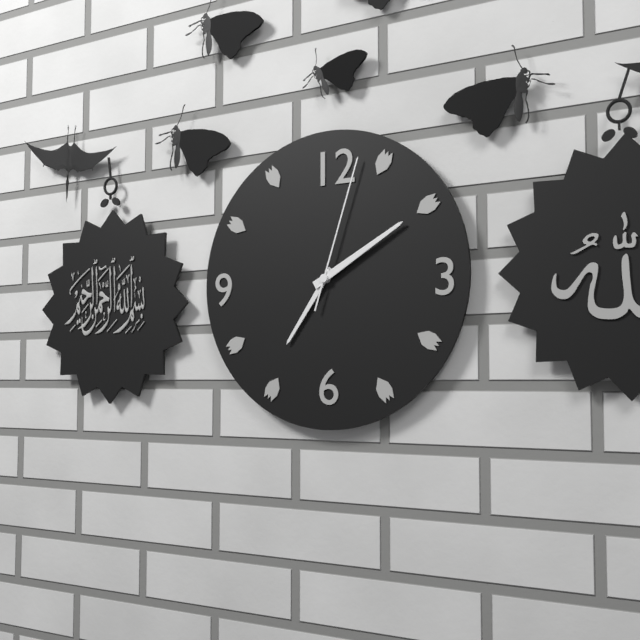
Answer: 7,10,03
